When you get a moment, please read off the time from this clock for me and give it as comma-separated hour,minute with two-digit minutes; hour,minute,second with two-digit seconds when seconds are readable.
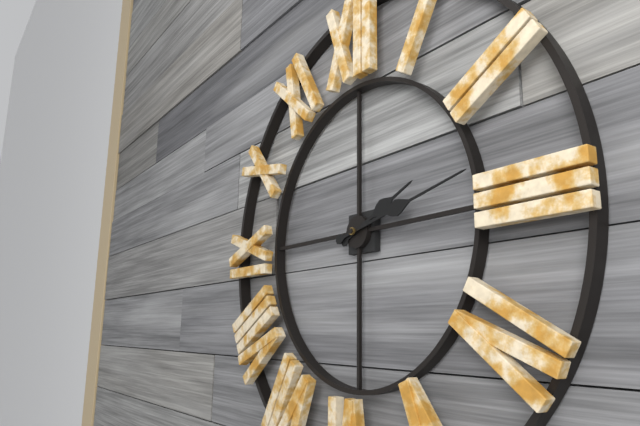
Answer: 2,13
